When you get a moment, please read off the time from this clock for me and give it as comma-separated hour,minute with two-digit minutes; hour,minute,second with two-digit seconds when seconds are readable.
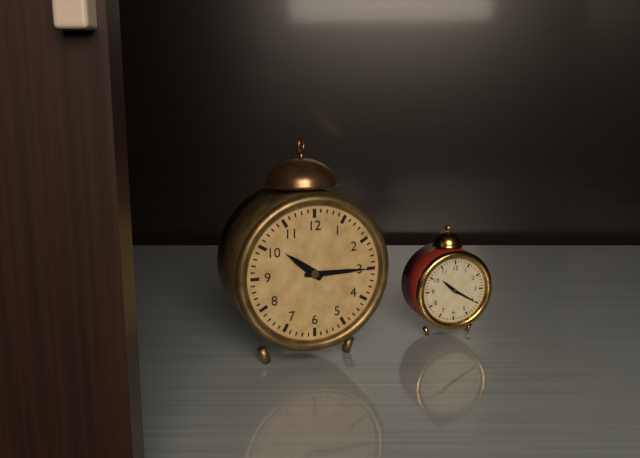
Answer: 10,15
